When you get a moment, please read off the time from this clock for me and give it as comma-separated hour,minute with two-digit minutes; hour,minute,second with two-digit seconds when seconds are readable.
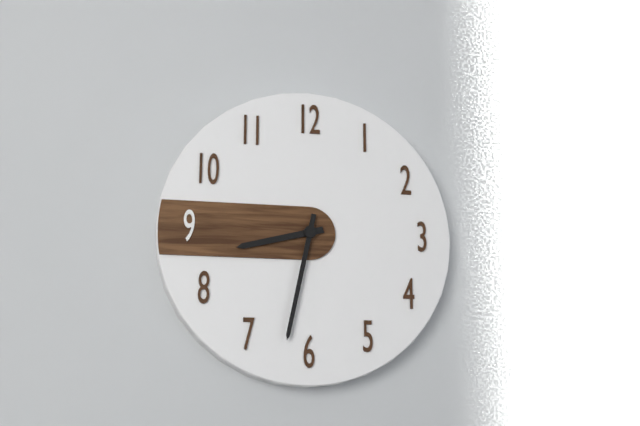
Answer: 8,32
